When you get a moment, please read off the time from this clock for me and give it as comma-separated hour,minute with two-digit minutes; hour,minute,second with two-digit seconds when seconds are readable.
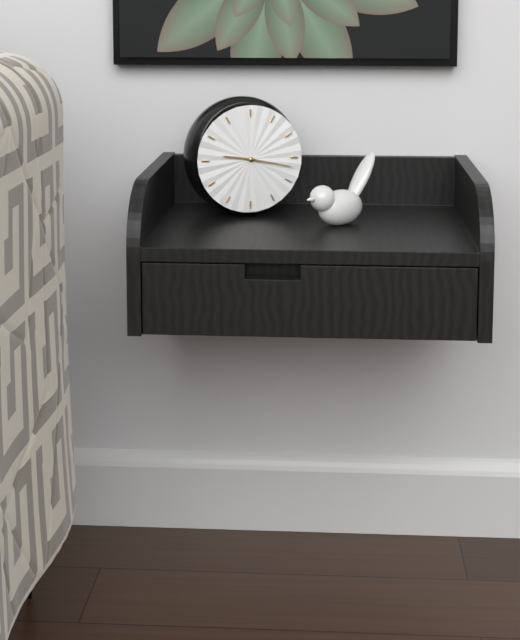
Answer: 9,17
